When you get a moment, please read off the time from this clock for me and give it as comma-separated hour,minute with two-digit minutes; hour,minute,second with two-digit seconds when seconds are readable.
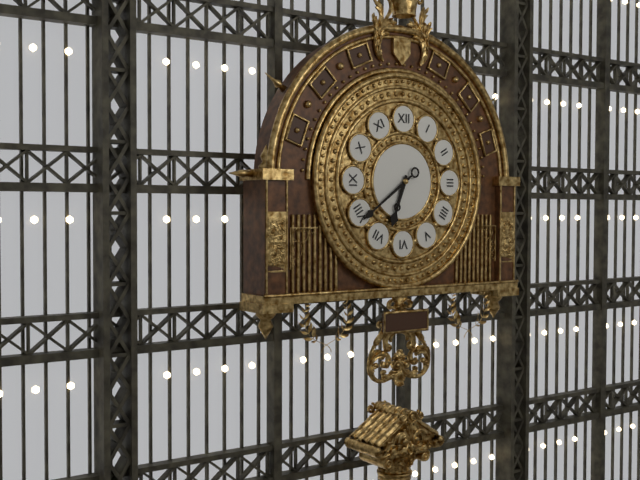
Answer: 6,39
